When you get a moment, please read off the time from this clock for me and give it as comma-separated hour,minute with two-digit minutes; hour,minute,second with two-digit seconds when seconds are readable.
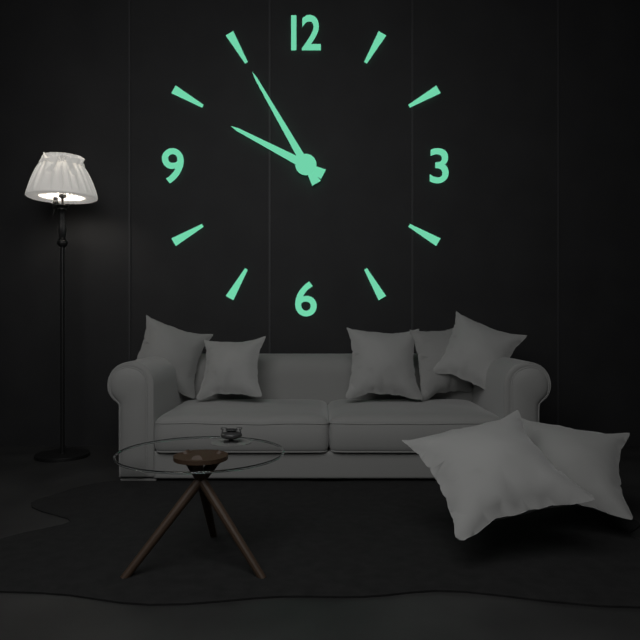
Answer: 9,55
